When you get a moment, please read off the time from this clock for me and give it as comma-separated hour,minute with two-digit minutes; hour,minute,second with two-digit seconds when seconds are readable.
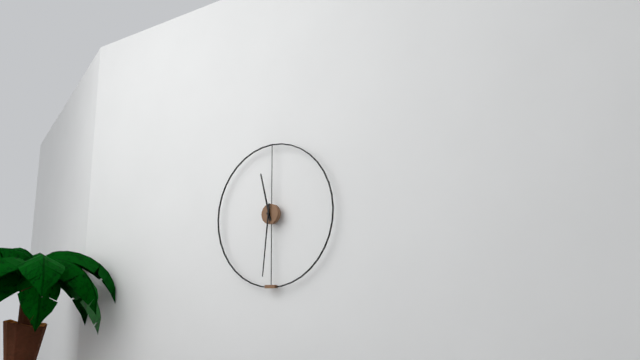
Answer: 11,31
